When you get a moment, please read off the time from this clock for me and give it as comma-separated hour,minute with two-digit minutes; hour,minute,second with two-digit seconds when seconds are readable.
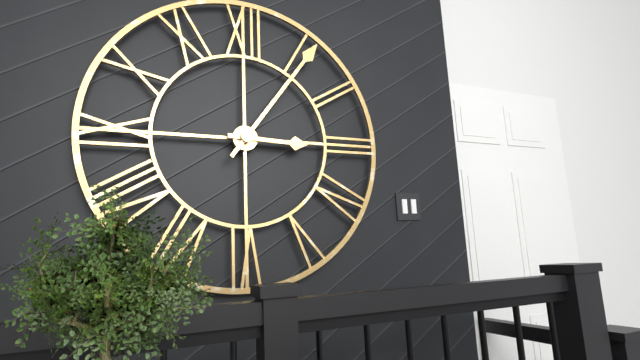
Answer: 3,06
